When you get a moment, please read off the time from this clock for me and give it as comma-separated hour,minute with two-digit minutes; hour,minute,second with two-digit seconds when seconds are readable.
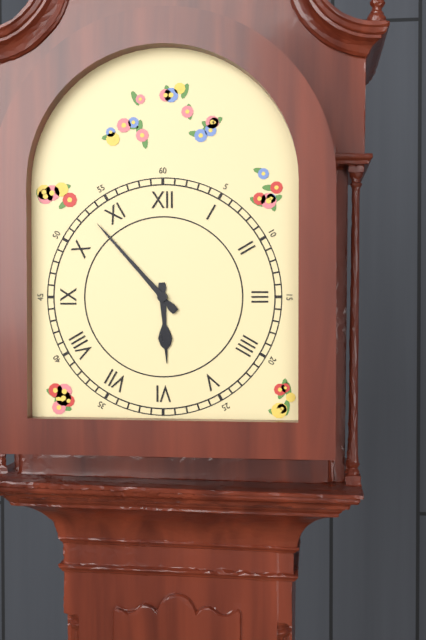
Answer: 5,53
